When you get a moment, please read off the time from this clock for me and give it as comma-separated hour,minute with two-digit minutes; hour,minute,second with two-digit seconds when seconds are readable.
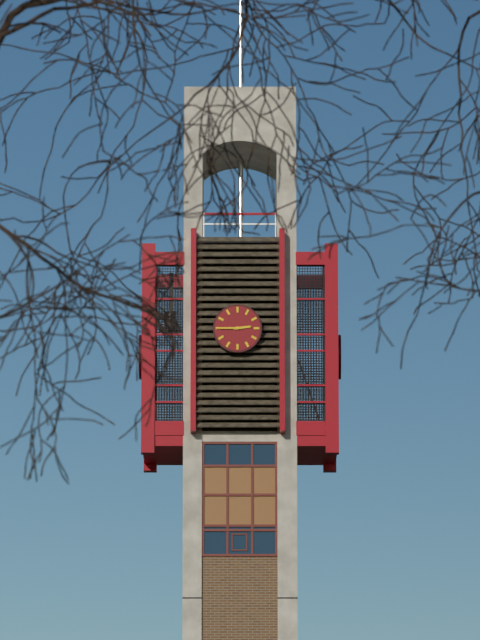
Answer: 2,45
